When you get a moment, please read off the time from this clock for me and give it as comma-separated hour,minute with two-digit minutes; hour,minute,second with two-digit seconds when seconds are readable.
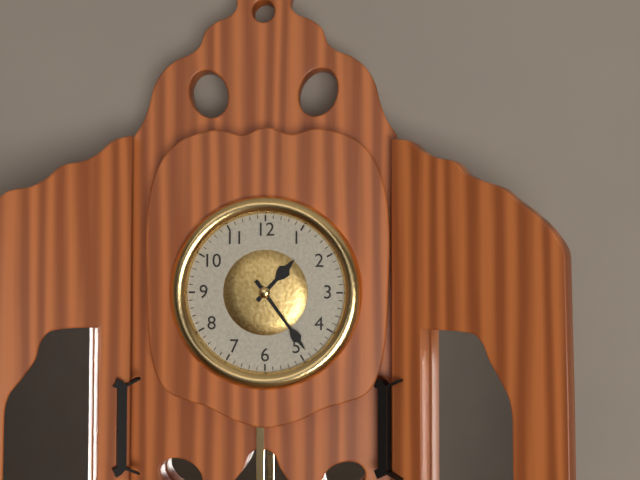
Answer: 1,24
